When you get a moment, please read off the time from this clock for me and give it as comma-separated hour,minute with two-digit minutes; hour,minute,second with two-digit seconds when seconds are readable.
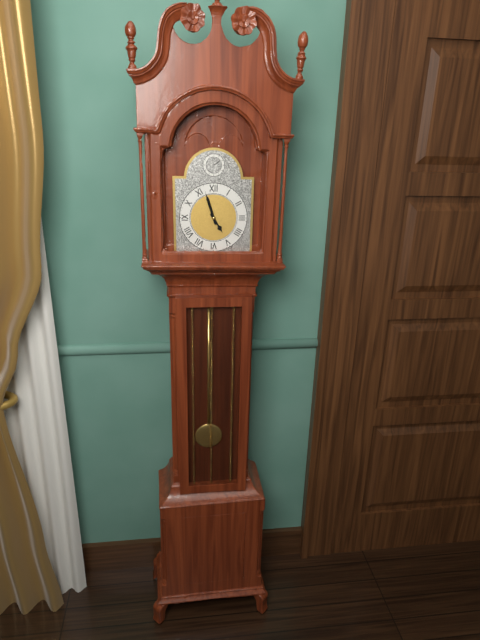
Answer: 4,57
